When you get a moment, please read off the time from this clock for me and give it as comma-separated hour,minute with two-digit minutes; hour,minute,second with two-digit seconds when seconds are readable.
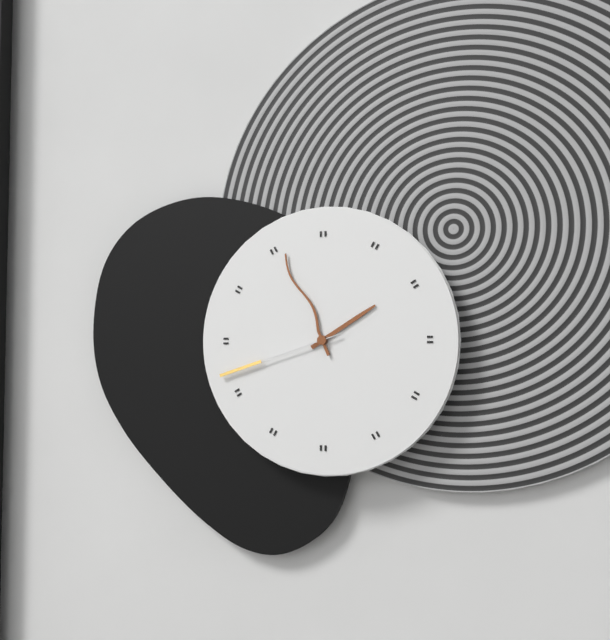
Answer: 1,56,42
